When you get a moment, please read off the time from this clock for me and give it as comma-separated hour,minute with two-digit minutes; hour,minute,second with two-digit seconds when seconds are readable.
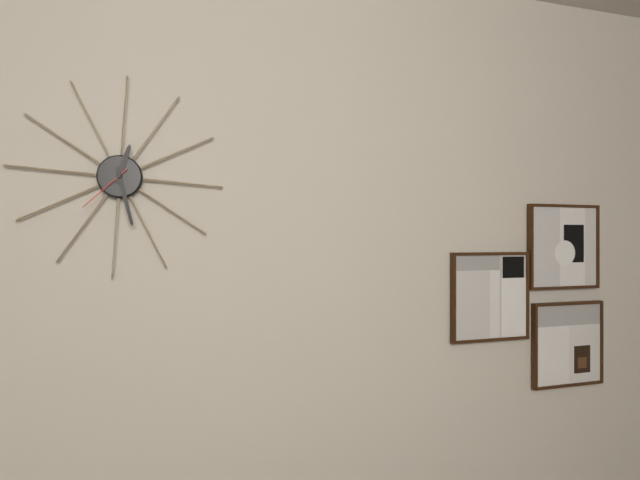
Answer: 12,27,37
